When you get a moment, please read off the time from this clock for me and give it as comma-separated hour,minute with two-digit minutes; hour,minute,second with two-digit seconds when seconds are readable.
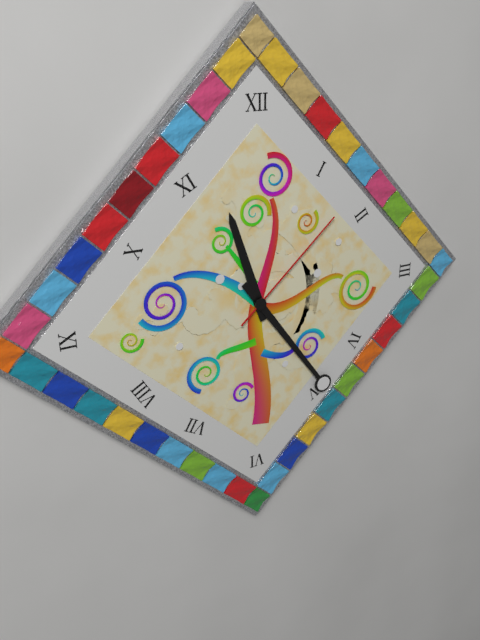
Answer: 11,24,08
